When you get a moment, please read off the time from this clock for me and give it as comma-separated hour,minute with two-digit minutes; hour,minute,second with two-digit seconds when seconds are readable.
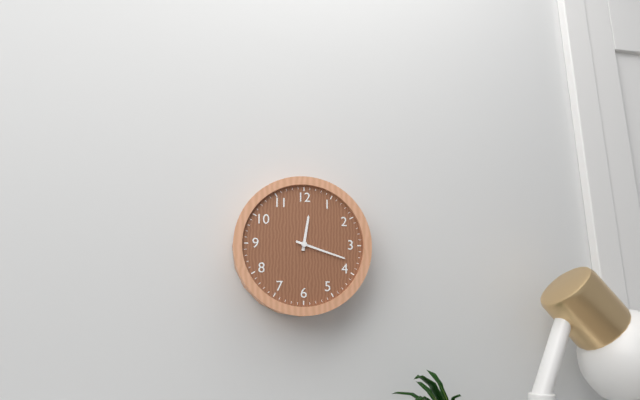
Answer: 12,18
